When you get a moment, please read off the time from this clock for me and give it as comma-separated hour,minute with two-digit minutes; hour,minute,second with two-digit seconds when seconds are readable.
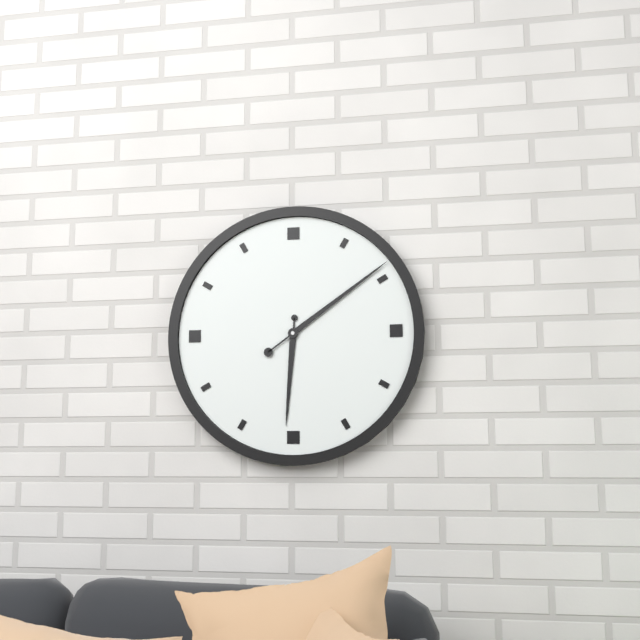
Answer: 6,09
